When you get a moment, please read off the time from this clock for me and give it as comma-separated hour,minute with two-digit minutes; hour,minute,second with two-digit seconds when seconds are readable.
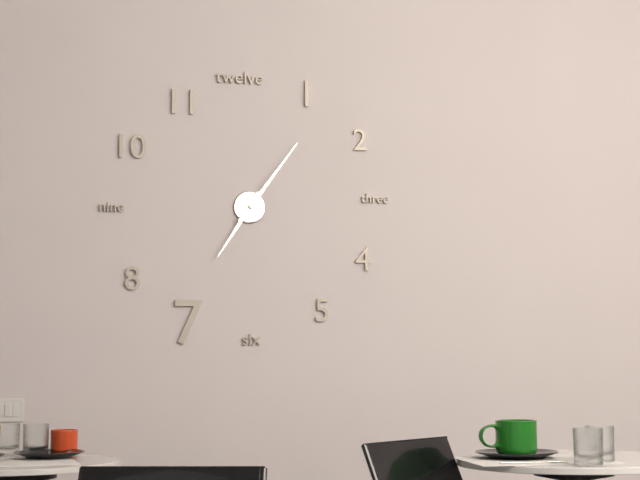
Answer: 7,06
